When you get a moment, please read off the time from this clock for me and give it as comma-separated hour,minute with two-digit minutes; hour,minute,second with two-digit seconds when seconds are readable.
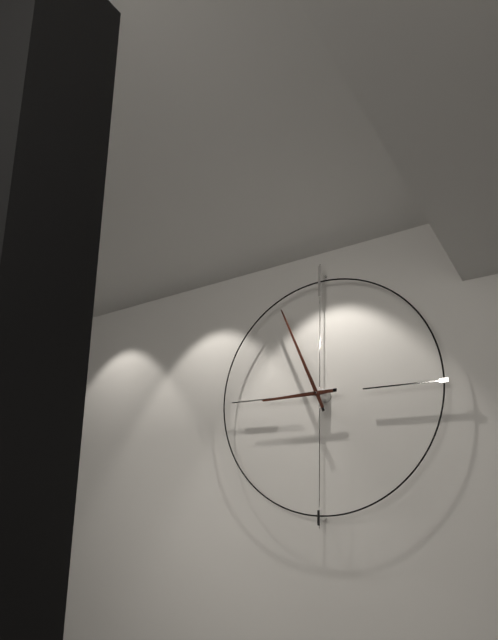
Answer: 8,56
